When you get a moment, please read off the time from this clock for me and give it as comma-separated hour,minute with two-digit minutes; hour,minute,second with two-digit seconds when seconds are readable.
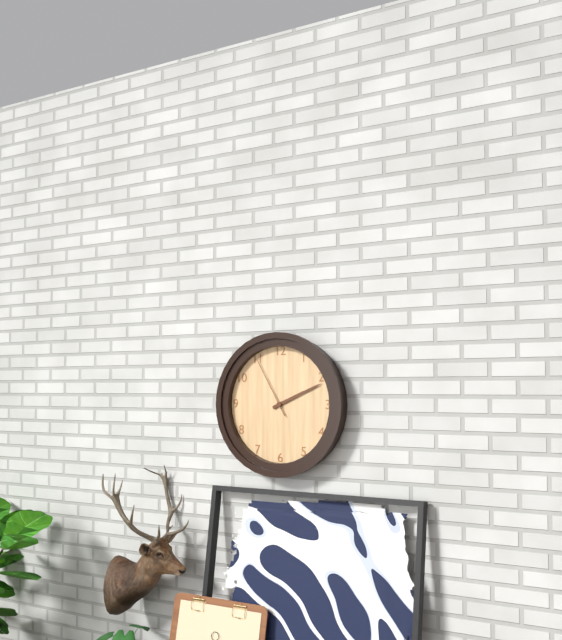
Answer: 2,11,55
